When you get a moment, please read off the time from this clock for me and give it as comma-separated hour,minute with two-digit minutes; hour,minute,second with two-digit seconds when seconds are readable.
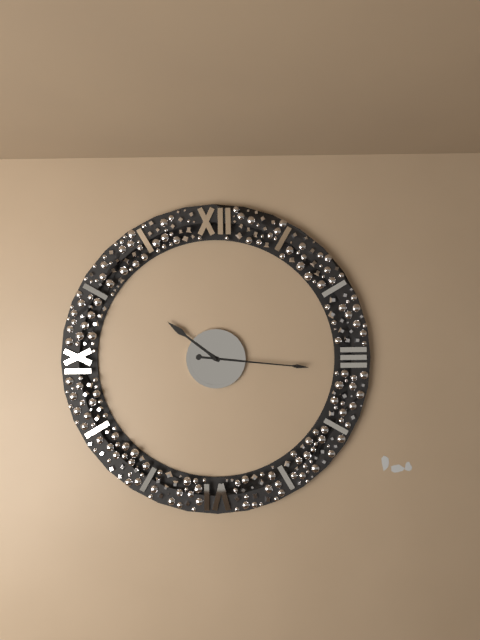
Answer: 10,16
